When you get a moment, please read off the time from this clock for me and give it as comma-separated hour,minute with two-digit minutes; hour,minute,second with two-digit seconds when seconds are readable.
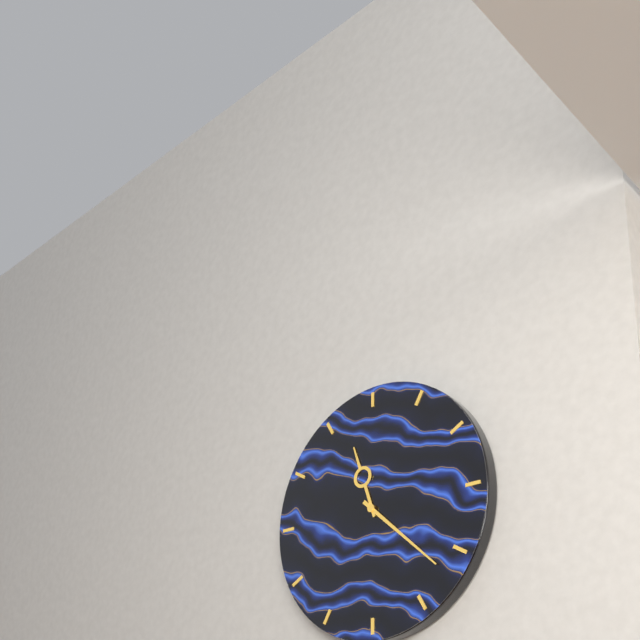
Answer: 11,22
